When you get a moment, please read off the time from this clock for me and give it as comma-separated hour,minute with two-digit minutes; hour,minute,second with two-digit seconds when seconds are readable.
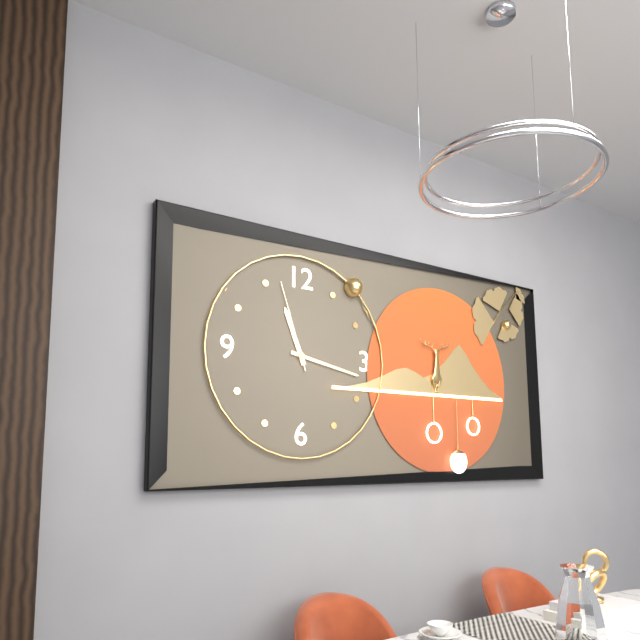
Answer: 11,17,57
